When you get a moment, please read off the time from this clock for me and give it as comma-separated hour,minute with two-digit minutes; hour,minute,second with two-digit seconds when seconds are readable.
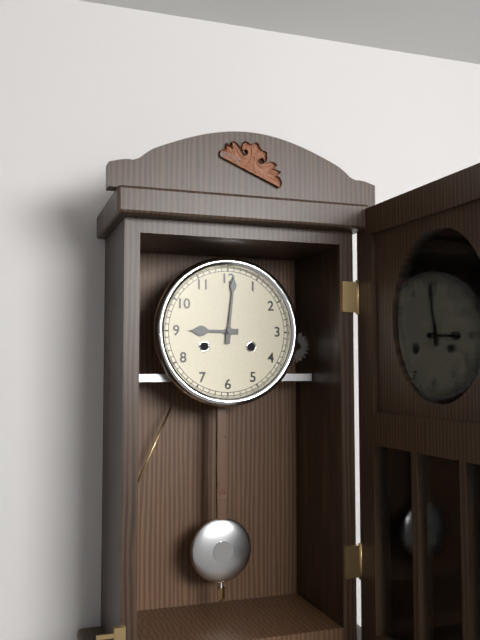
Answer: 9,01
